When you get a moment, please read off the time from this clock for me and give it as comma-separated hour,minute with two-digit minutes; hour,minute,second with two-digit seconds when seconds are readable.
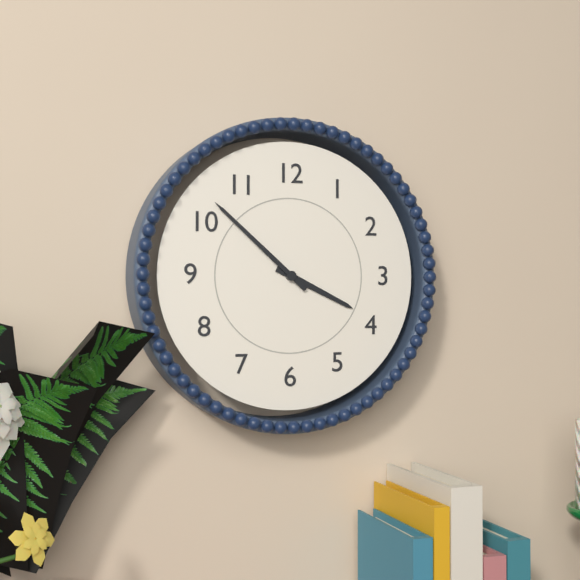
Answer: 3,52
